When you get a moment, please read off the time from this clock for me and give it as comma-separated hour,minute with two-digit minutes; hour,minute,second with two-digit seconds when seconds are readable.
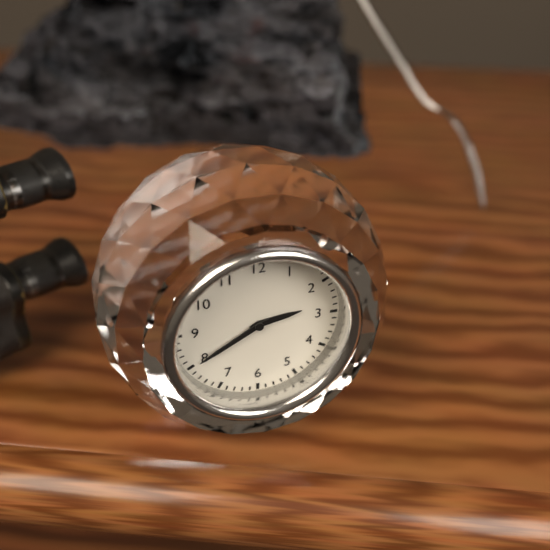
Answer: 2,40
